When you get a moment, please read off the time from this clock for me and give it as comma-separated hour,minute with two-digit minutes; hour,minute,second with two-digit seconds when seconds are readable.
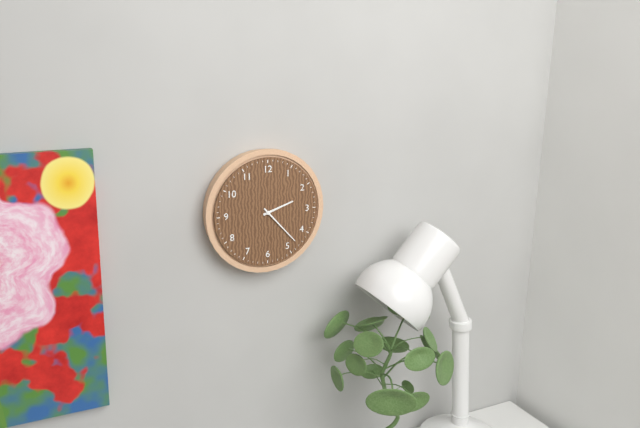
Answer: 2,23
